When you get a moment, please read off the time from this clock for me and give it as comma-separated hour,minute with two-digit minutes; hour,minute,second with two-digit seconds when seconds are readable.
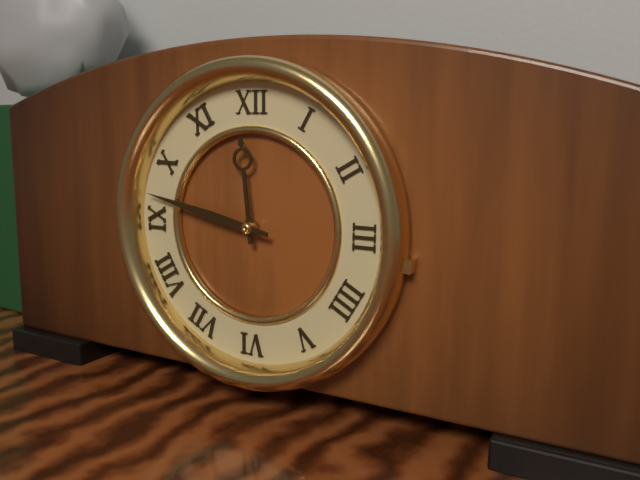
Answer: 11,47
